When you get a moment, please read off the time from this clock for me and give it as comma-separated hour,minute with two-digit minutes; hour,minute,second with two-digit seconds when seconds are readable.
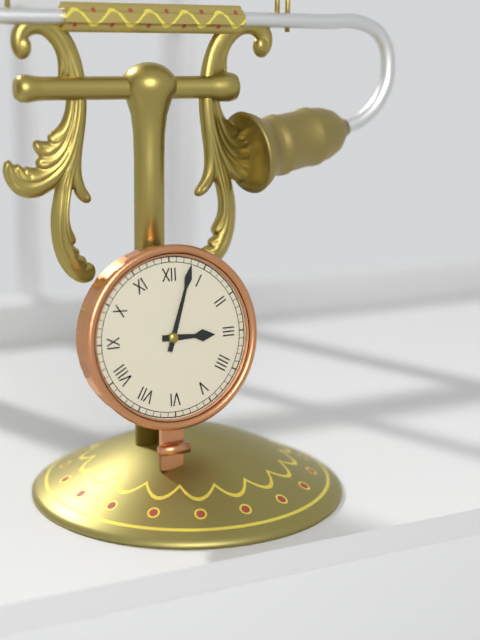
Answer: 3,03
